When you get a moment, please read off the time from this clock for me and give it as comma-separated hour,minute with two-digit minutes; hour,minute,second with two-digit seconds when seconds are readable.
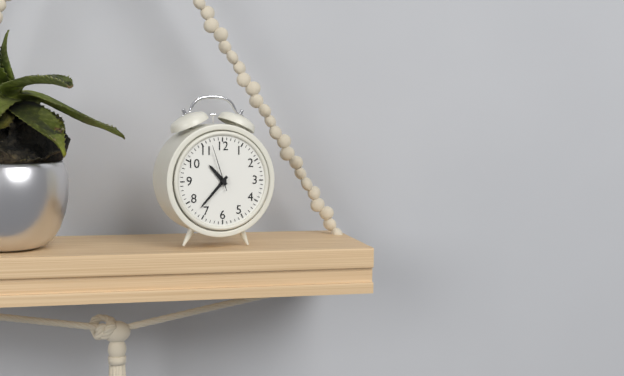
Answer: 10,37
